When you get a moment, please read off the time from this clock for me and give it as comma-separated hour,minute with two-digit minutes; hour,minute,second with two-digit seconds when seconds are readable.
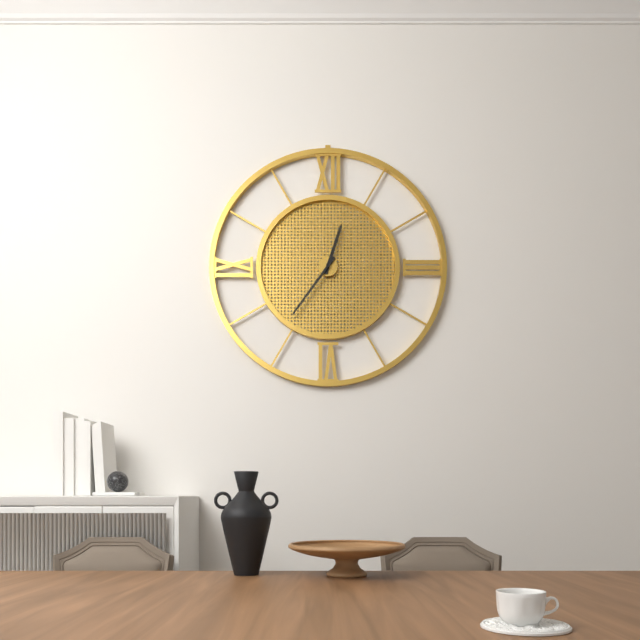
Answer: 12,36
